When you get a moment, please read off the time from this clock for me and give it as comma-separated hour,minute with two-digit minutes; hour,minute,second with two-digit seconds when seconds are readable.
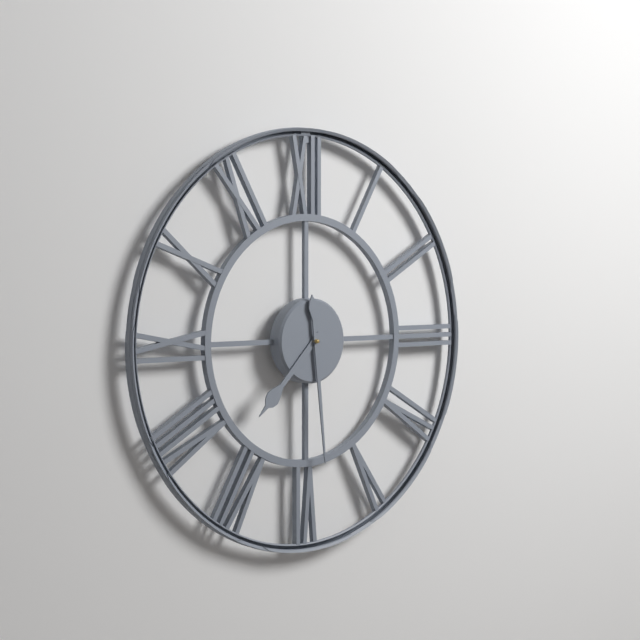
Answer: 7,29
